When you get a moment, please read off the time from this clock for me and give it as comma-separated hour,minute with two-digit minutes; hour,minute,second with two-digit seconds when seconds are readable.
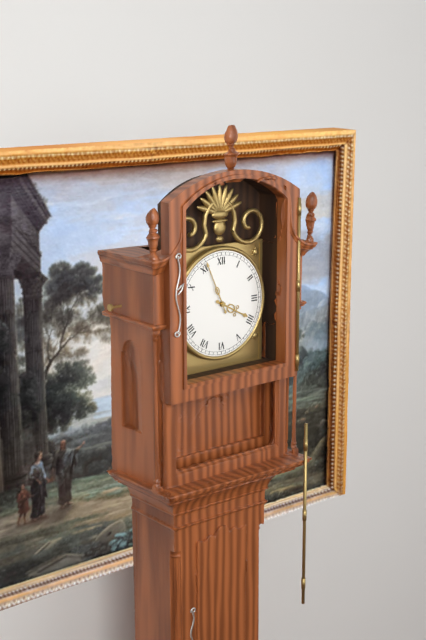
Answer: 3,56
